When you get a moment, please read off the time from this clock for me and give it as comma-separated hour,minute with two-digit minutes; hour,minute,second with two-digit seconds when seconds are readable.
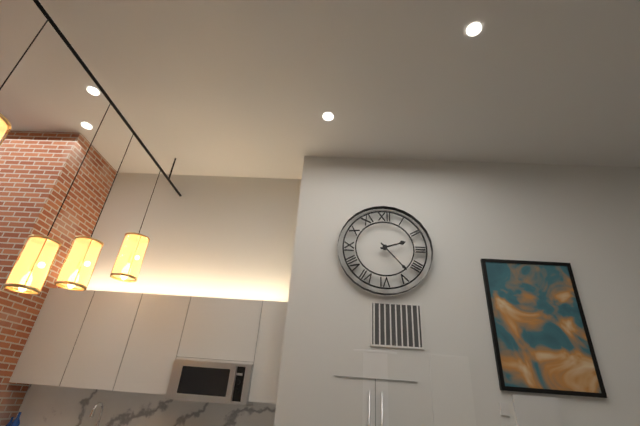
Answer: 2,23
